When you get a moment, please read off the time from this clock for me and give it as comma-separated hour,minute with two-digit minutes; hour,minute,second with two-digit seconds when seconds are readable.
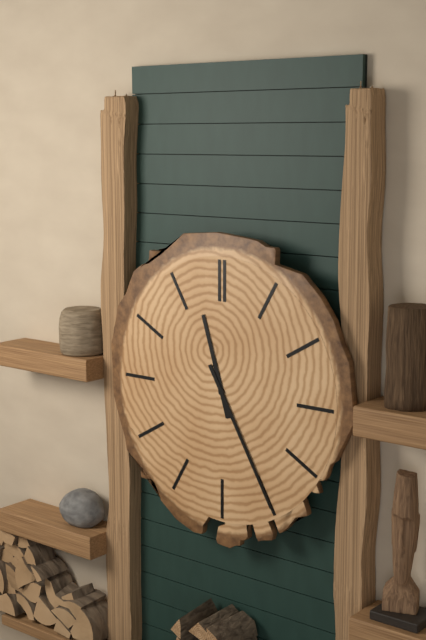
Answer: 11,25
